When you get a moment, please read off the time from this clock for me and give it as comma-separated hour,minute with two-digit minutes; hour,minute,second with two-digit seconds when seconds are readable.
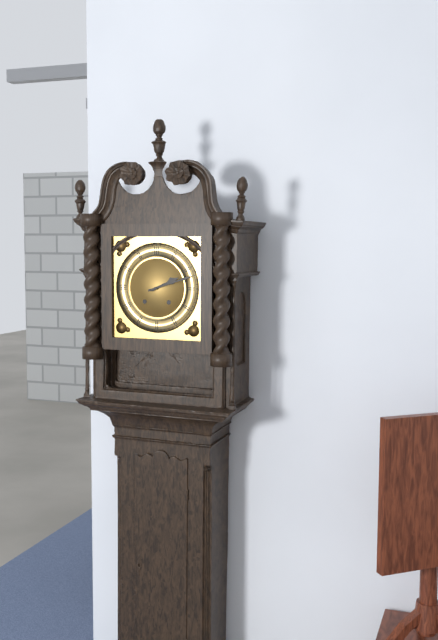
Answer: 2,12
